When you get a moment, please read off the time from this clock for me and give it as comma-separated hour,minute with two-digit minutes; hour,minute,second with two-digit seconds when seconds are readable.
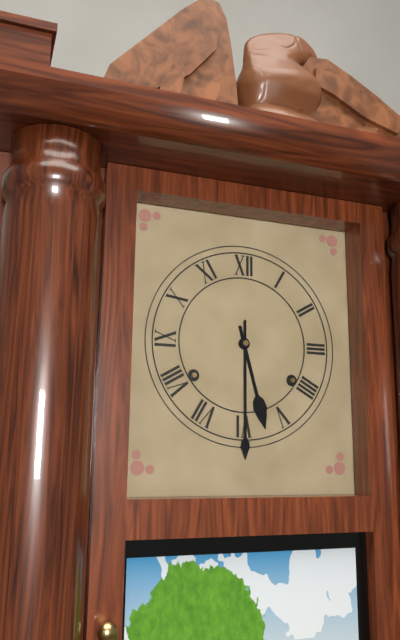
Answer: 5,30
